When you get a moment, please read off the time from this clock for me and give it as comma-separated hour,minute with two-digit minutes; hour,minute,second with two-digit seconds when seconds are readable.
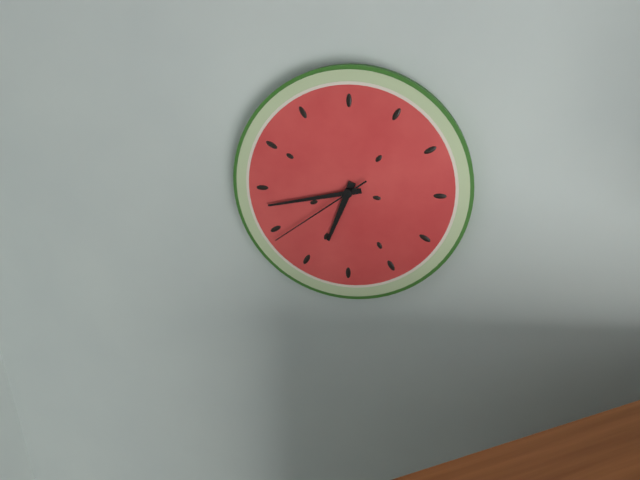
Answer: 6,43,39
